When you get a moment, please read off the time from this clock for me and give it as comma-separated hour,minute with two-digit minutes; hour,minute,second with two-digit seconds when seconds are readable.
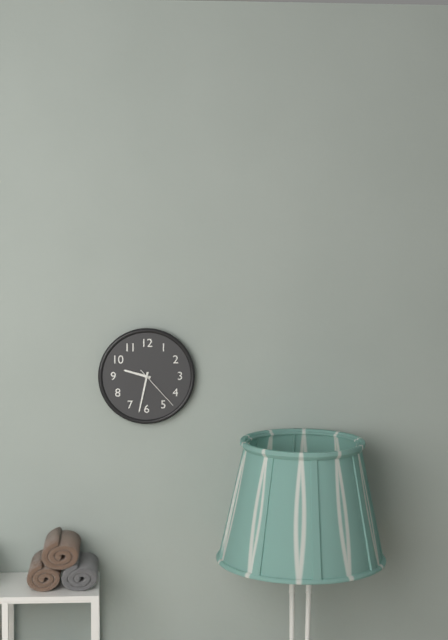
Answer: 9,32,23
